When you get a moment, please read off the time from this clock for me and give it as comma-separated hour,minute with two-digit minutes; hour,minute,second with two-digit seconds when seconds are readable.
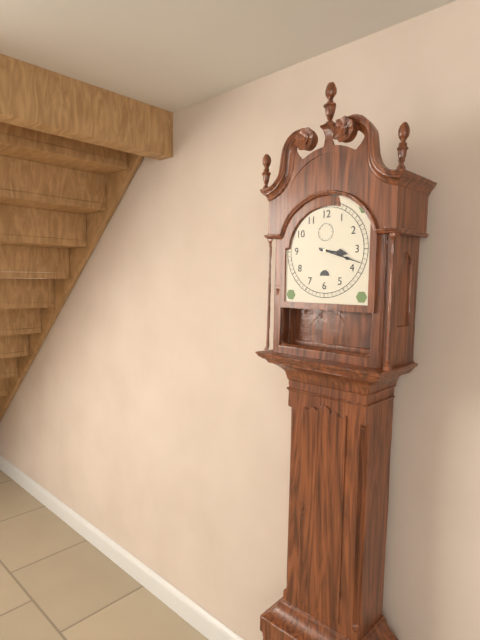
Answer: 3,18
